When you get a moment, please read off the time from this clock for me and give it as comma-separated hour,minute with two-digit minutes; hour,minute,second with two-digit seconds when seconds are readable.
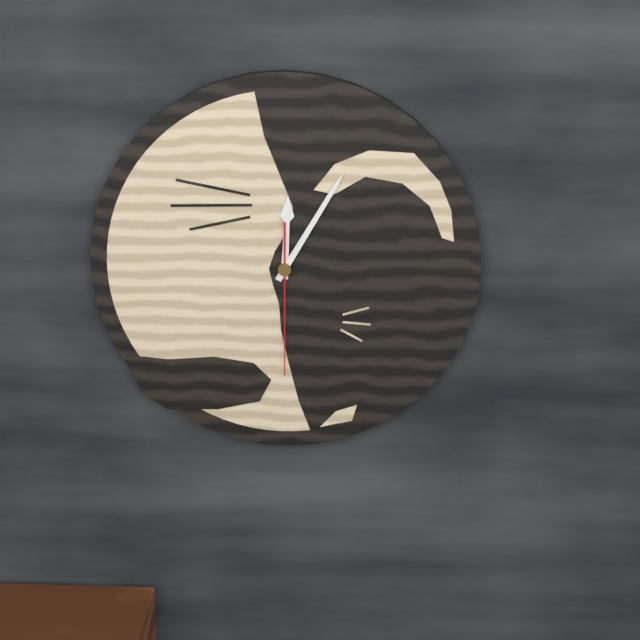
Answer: 12,05,30
